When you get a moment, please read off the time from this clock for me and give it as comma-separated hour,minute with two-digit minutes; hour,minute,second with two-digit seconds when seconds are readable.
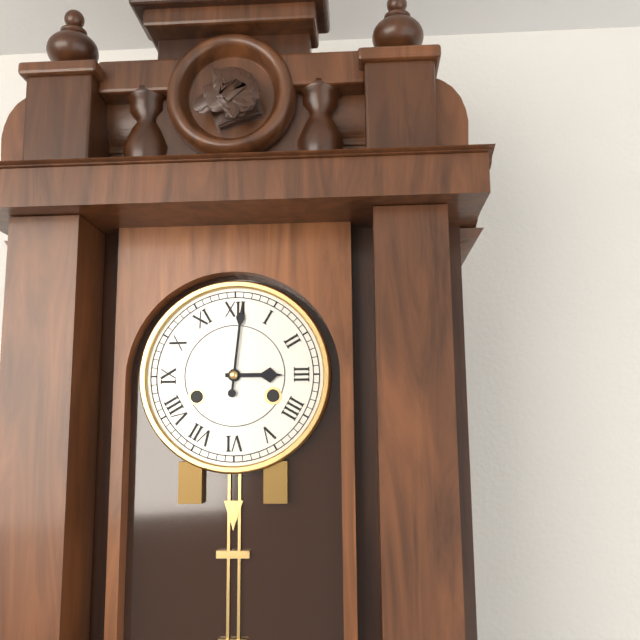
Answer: 3,01
